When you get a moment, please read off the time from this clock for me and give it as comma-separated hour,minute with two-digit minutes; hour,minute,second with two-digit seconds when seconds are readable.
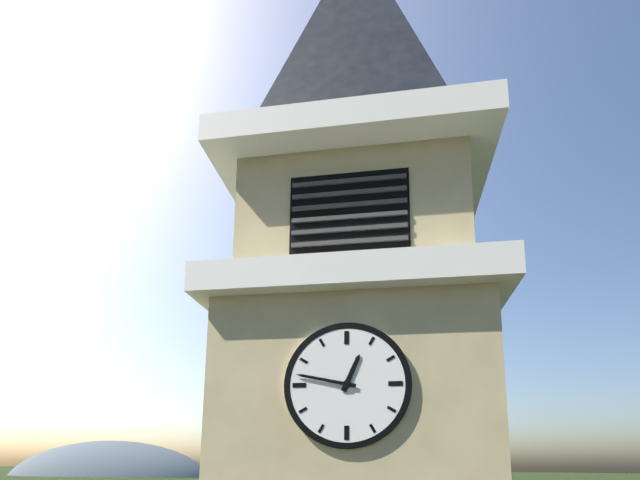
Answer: 12,47
